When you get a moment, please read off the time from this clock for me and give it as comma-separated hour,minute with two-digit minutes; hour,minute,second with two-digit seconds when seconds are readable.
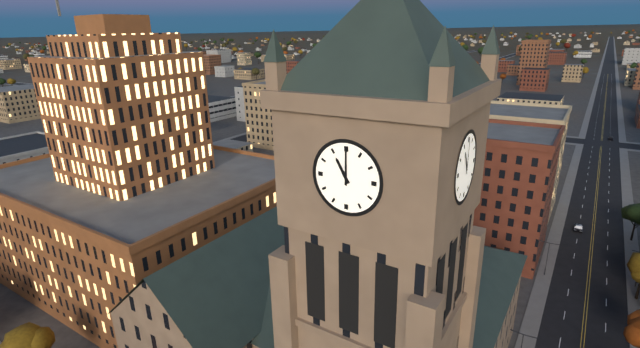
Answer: 11,00
